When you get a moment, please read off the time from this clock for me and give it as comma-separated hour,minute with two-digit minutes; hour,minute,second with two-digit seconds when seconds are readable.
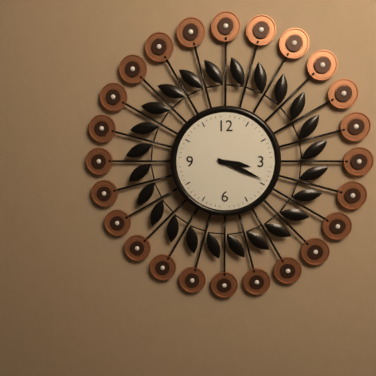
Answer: 3,19
